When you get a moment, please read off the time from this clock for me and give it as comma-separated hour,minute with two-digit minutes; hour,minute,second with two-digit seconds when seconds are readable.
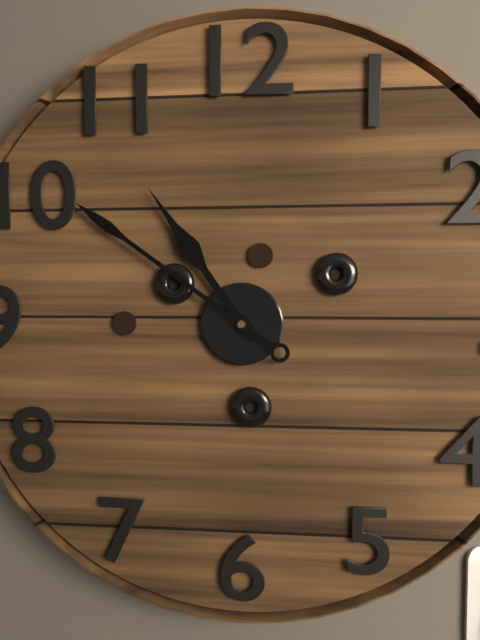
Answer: 10,51
